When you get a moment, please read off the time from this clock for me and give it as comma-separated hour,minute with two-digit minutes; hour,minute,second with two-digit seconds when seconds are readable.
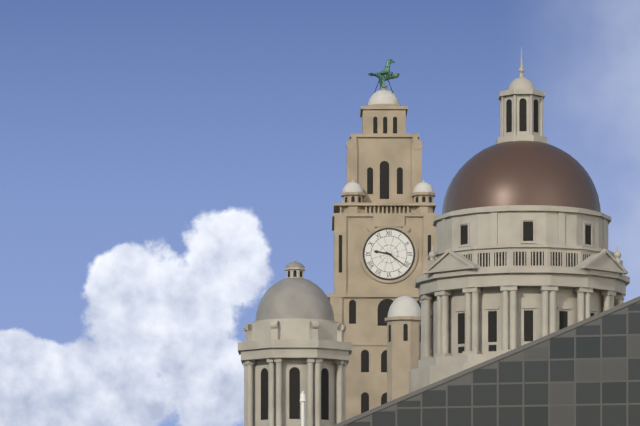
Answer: 9,21
